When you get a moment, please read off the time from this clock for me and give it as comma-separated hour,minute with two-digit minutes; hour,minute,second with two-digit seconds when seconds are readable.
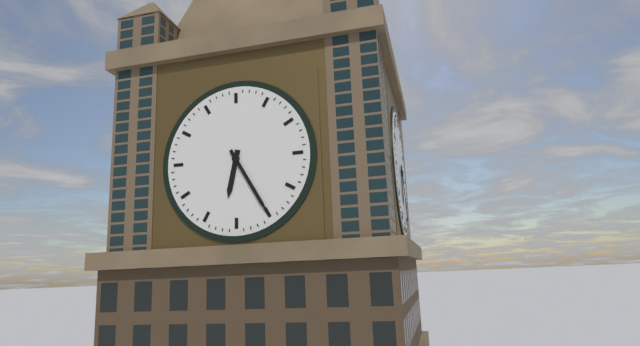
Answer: 6,25
